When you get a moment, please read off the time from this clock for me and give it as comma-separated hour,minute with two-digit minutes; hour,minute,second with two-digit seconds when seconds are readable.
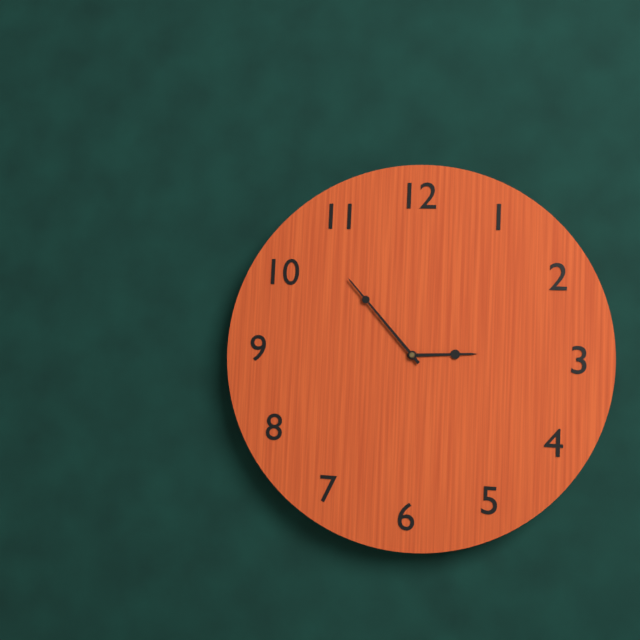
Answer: 2,53
